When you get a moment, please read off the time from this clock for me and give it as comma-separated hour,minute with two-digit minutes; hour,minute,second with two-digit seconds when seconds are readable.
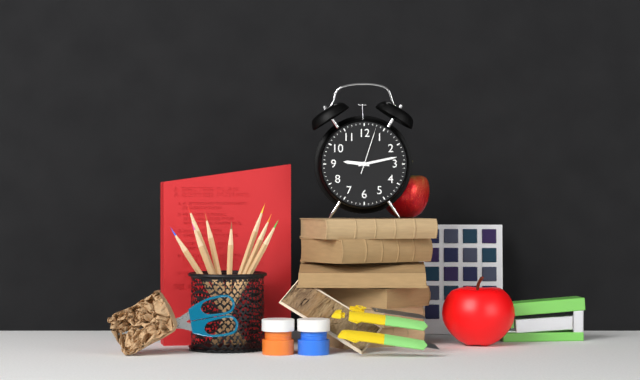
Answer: 9,13
